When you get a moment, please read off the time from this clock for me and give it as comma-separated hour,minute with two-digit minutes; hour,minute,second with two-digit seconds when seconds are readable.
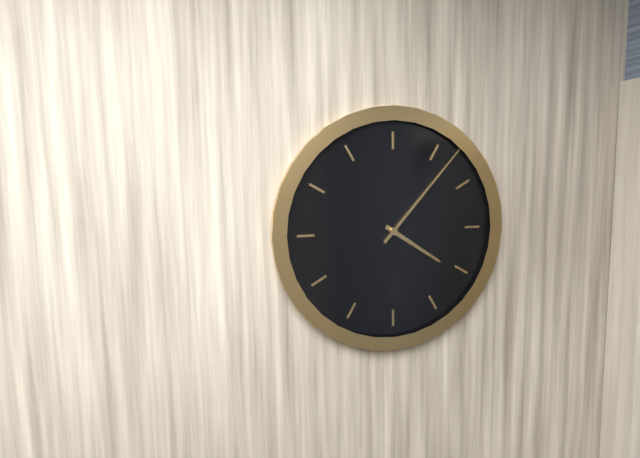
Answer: 4,07
